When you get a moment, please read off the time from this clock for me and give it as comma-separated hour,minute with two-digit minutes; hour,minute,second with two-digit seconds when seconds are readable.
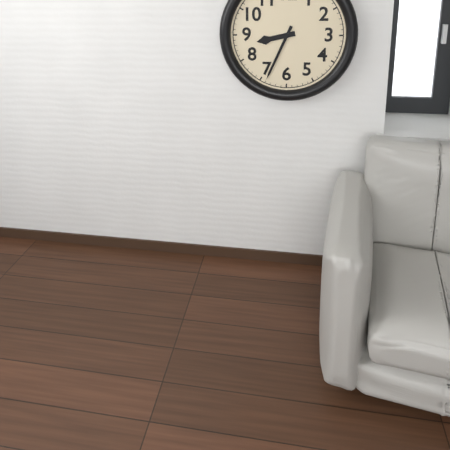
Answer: 8,34
